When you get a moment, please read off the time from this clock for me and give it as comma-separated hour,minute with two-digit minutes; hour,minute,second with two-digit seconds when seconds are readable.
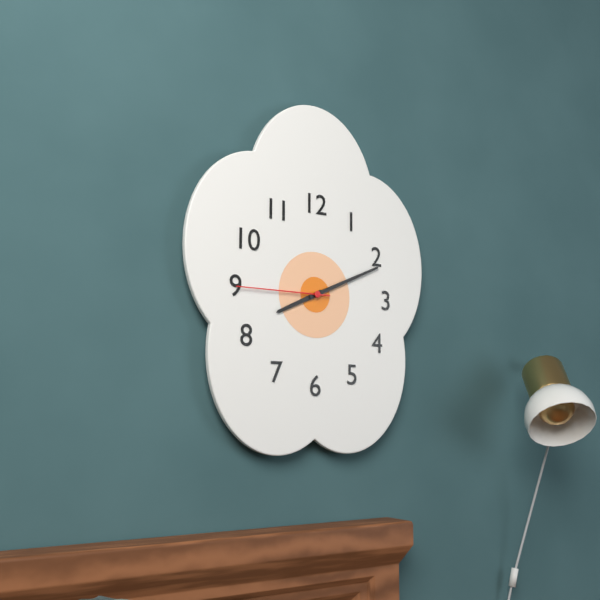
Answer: 8,11,45
